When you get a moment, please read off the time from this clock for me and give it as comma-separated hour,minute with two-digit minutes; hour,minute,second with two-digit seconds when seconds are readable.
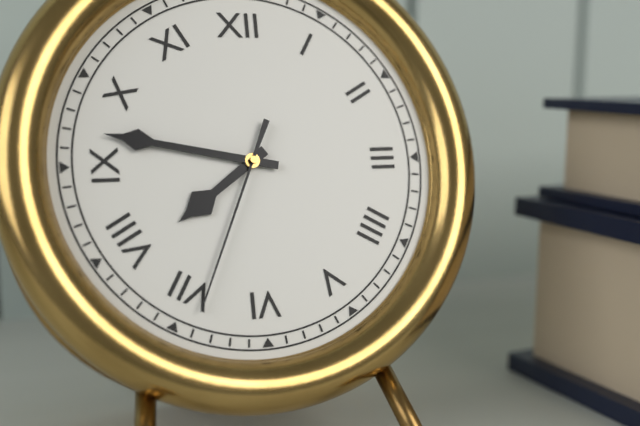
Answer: 7,47,34
